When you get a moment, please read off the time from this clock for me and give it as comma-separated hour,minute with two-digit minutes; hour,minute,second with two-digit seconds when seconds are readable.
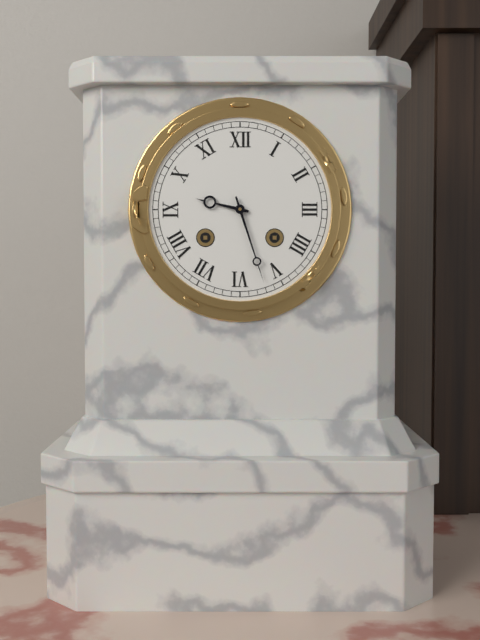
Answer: 9,27
